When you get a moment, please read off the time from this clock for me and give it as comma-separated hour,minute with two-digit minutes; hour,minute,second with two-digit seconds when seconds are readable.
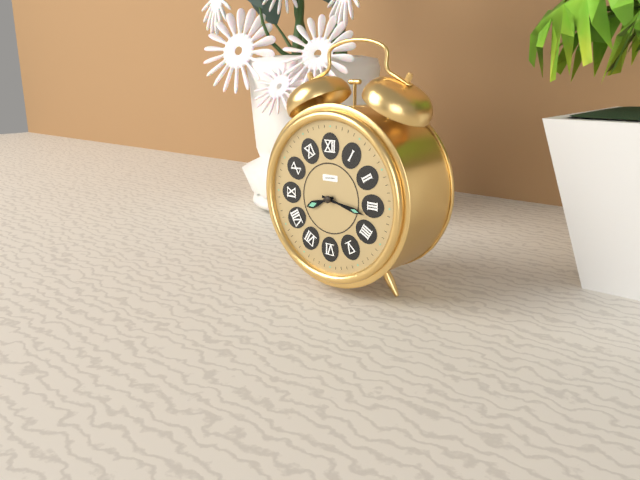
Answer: 8,17
